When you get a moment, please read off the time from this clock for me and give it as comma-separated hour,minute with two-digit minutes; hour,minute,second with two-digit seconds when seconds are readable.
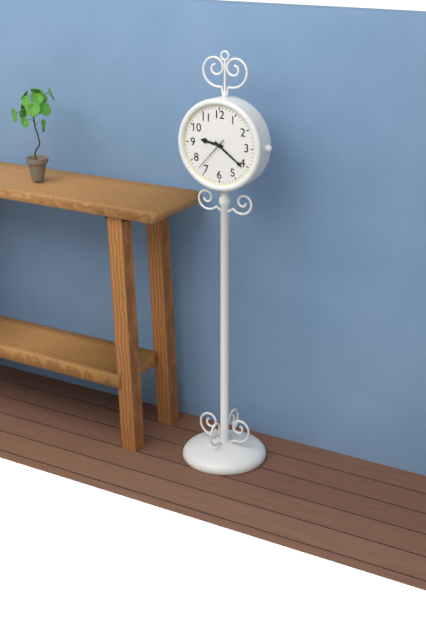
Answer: 9,21
